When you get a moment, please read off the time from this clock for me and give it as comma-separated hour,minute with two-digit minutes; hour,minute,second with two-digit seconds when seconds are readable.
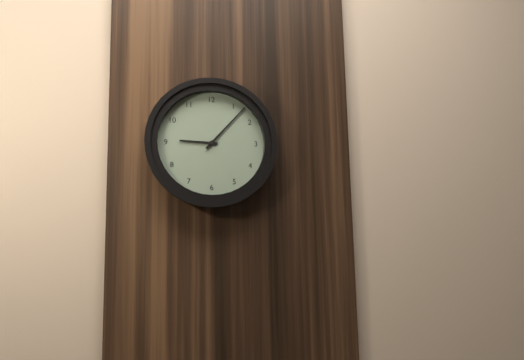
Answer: 9,07
